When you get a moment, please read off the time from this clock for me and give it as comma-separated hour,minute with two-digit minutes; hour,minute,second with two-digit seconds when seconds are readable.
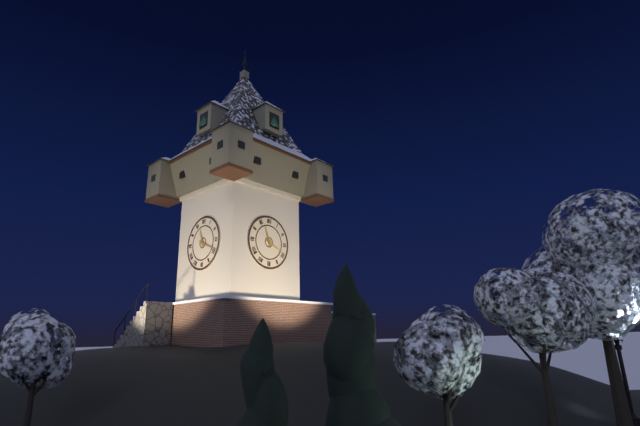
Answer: 11,19
